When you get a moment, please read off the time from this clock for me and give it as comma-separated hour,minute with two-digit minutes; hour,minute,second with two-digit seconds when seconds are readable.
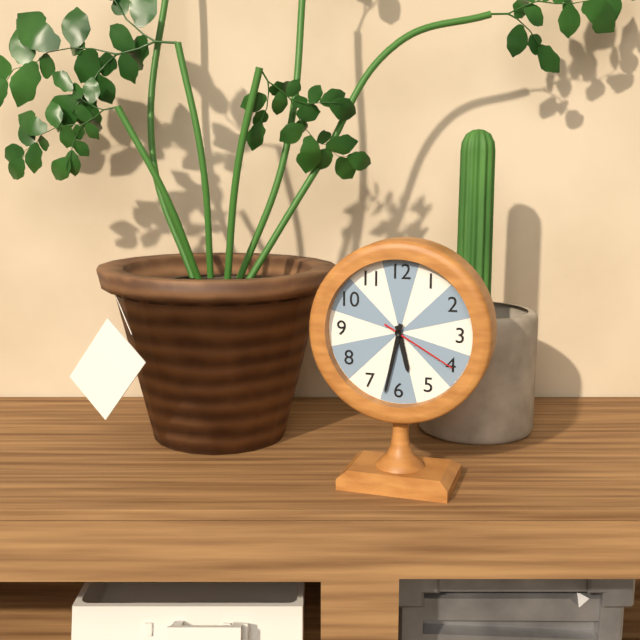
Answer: 5,32,20
